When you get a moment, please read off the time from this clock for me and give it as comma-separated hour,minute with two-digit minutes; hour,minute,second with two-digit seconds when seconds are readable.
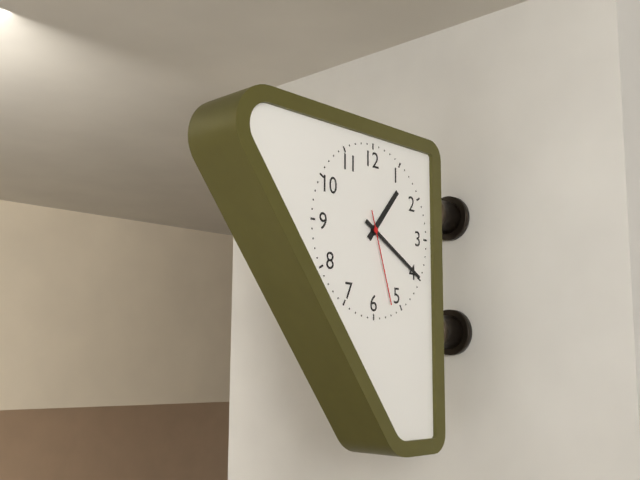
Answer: 1,20,27
